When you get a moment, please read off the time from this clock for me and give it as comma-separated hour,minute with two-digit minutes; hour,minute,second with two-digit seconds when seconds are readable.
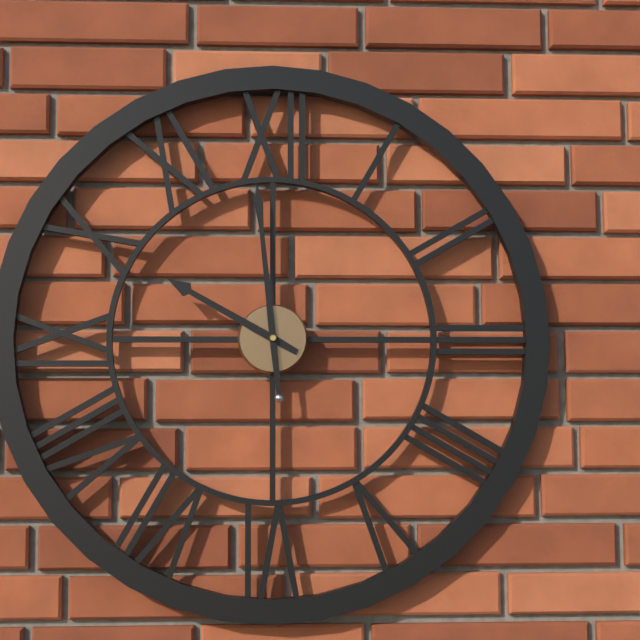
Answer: 9,59
